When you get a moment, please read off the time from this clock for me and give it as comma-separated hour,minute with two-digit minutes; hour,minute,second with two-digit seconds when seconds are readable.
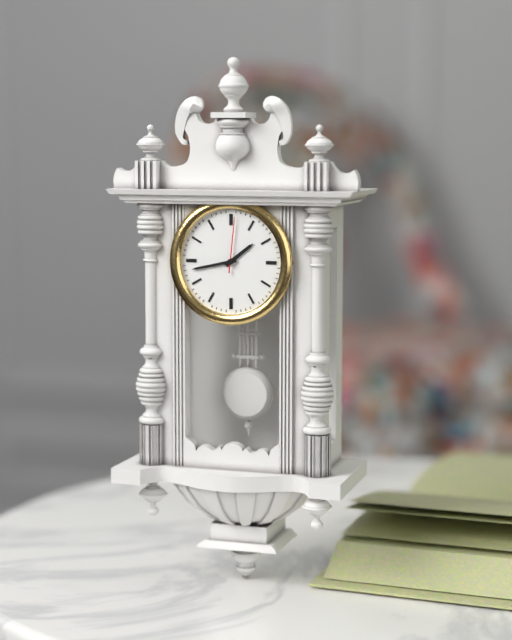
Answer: 1,43,01
